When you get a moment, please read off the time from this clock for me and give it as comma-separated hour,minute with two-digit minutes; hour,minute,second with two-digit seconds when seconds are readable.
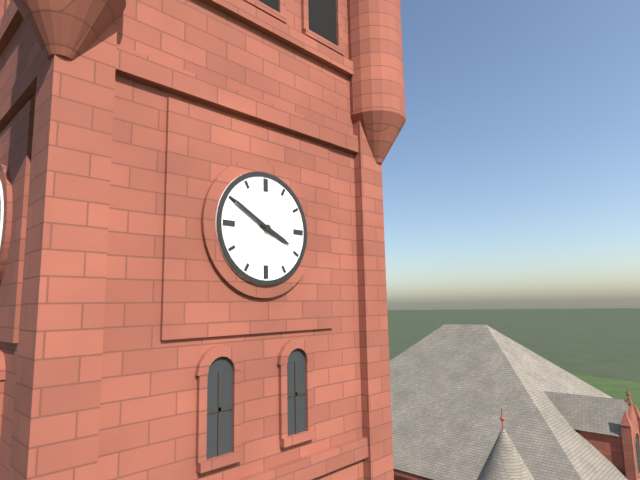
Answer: 3,50
